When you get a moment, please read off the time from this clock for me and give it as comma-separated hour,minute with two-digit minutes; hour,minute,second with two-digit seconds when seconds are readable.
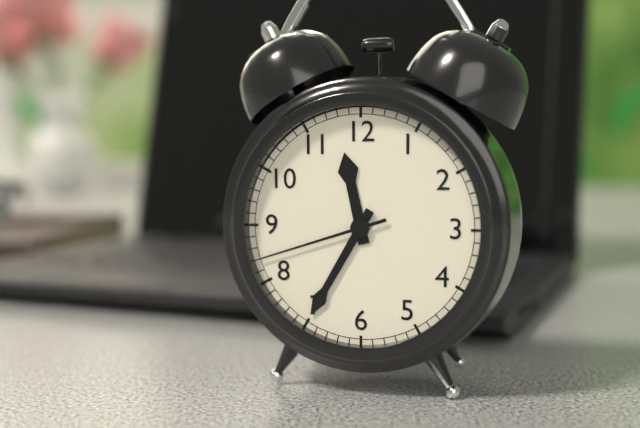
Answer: 11,35,42
